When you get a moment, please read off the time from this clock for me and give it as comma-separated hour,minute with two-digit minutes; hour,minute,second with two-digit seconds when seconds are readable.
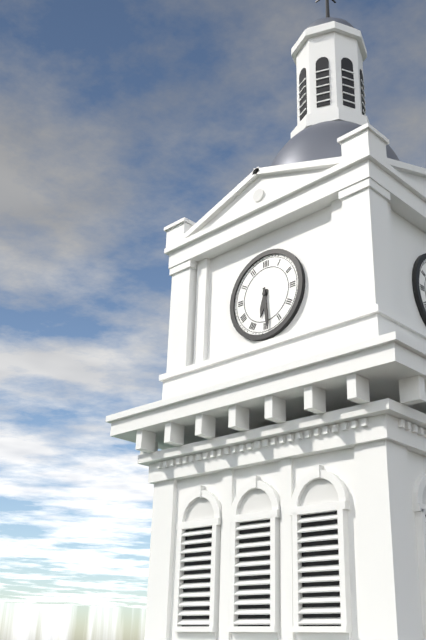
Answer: 6,29
